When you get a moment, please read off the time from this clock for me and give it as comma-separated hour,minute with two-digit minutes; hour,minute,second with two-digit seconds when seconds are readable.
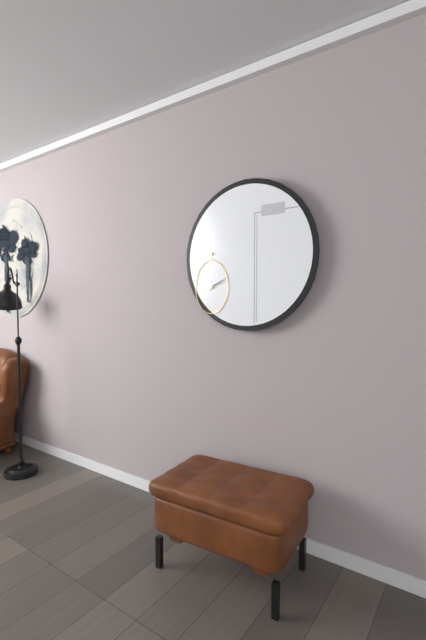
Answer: 2,11
